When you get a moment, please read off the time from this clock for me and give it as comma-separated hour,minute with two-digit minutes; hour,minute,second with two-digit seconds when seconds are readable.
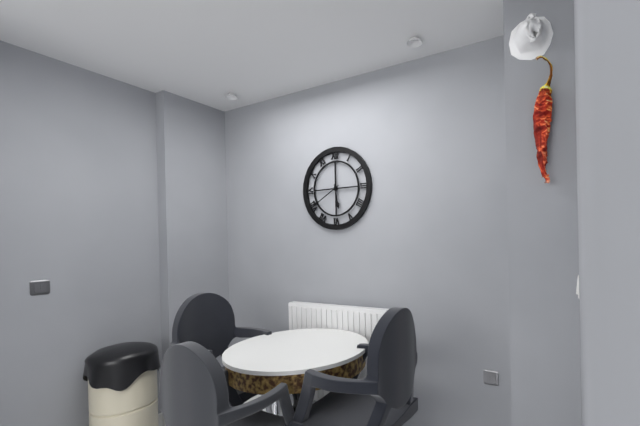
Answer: 5,40
